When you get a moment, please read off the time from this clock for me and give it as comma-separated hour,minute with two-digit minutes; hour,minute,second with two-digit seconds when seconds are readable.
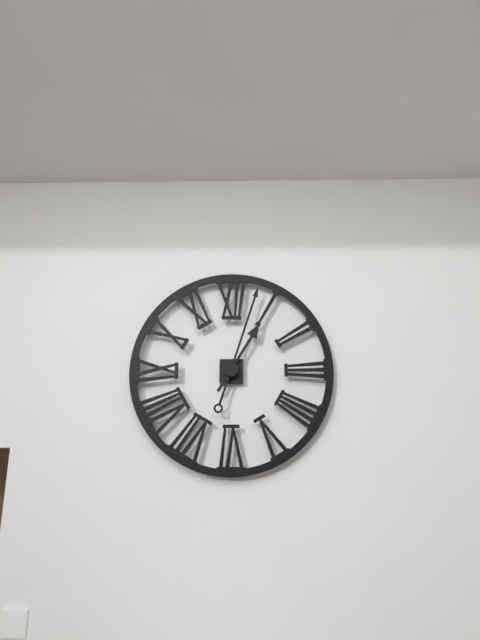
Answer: 1,03
